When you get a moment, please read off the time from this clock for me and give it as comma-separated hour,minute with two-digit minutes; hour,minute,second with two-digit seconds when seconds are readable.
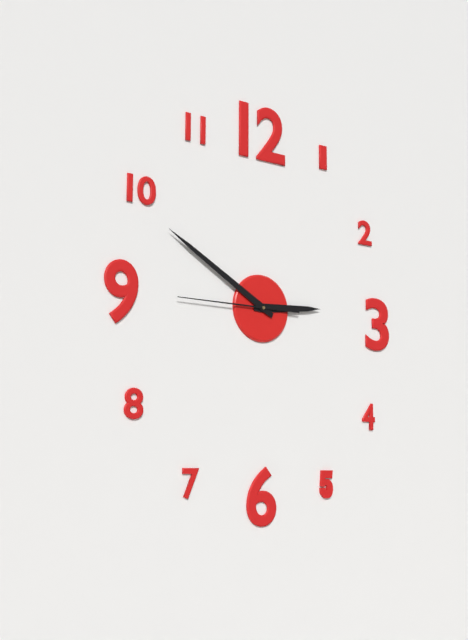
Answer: 2,50,45
